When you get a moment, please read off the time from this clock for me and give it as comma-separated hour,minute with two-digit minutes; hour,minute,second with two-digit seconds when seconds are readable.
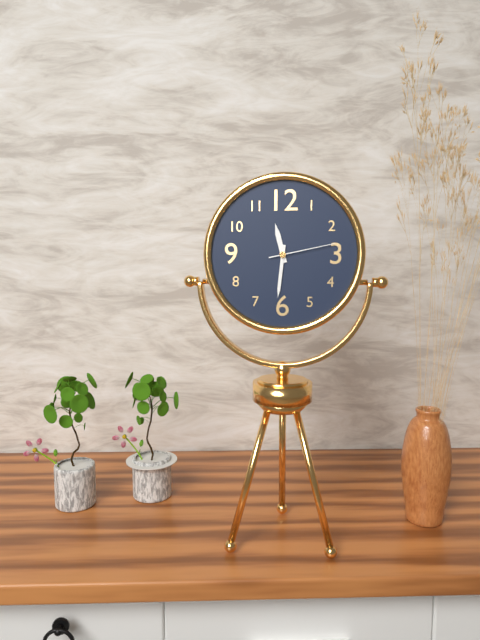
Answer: 11,31,13
